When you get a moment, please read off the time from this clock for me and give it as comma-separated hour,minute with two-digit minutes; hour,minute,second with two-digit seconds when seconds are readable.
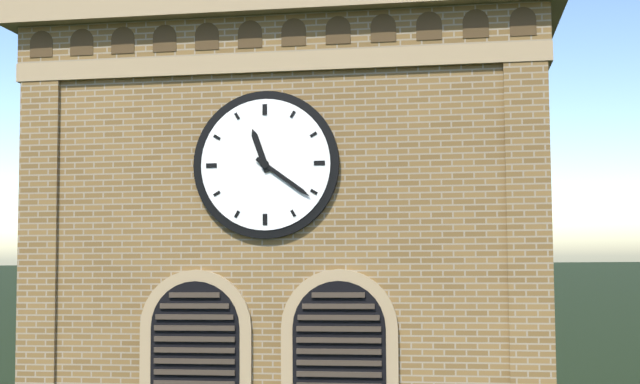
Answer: 11,21
